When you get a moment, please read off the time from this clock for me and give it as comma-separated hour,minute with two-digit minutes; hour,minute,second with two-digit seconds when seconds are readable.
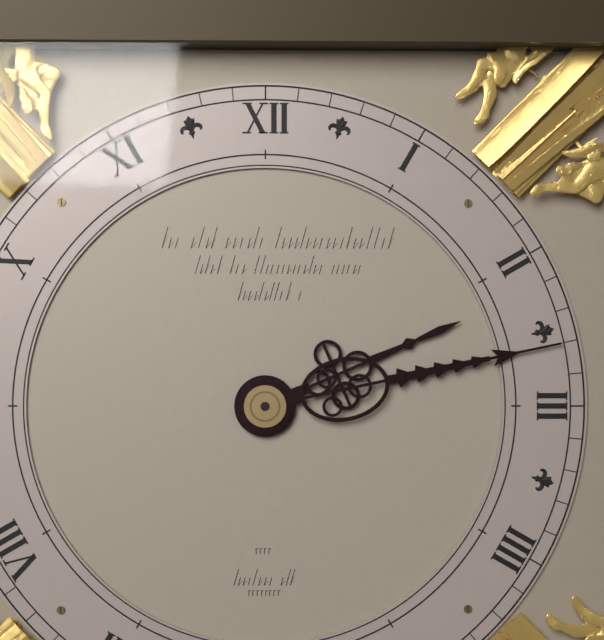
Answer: 2,13
